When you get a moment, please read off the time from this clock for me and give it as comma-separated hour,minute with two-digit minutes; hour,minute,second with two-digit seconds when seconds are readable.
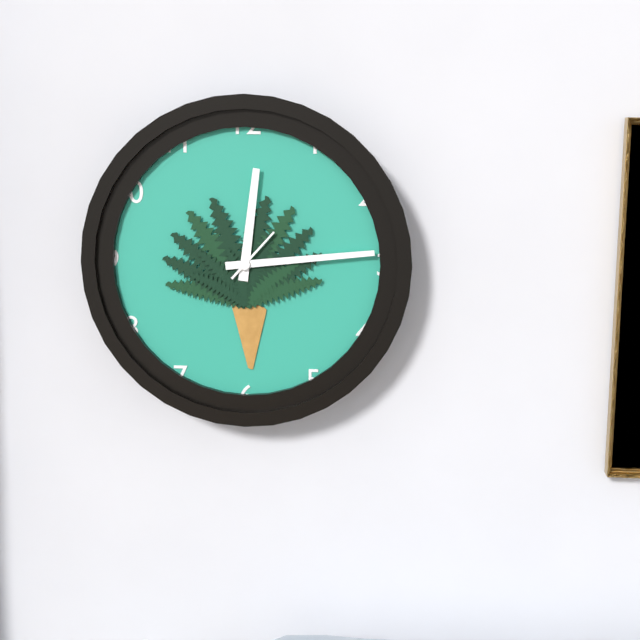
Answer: 12,14,07
